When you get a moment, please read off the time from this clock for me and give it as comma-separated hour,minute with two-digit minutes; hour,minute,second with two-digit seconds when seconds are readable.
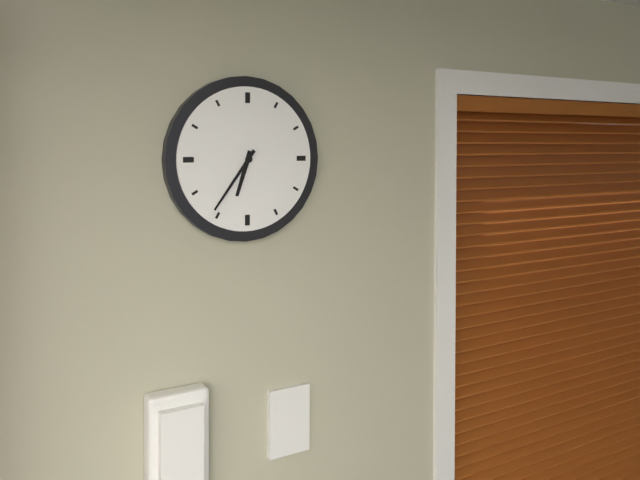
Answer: 6,36
